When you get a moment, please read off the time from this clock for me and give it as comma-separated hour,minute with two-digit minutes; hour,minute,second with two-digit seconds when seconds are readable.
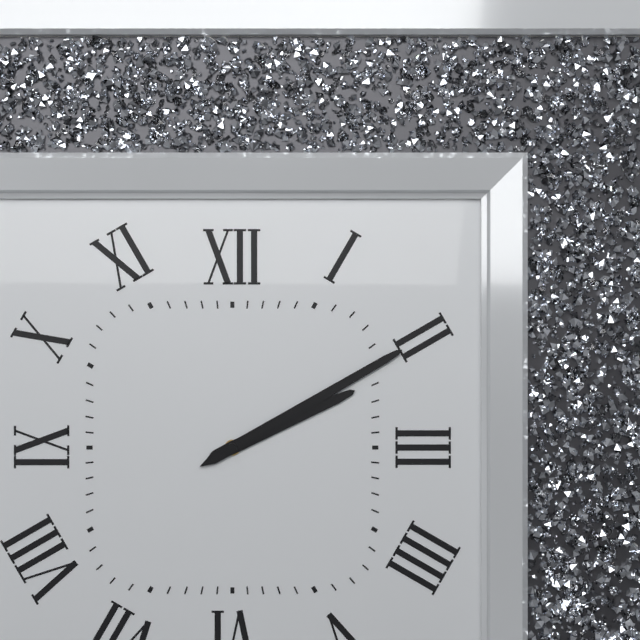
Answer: 2,10
